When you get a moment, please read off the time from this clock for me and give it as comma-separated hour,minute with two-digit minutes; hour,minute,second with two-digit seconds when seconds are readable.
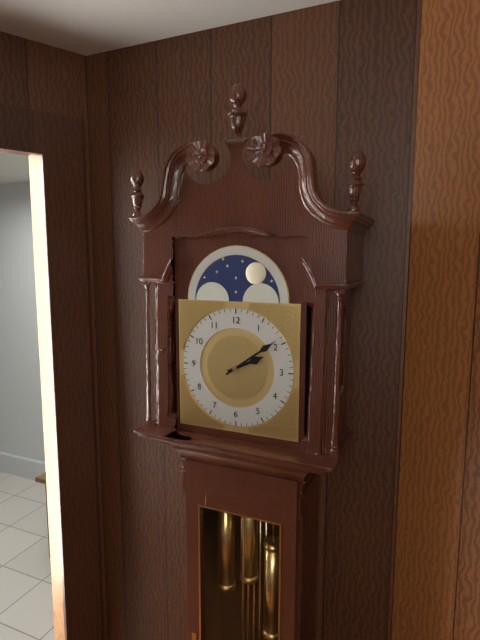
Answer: 2,09
